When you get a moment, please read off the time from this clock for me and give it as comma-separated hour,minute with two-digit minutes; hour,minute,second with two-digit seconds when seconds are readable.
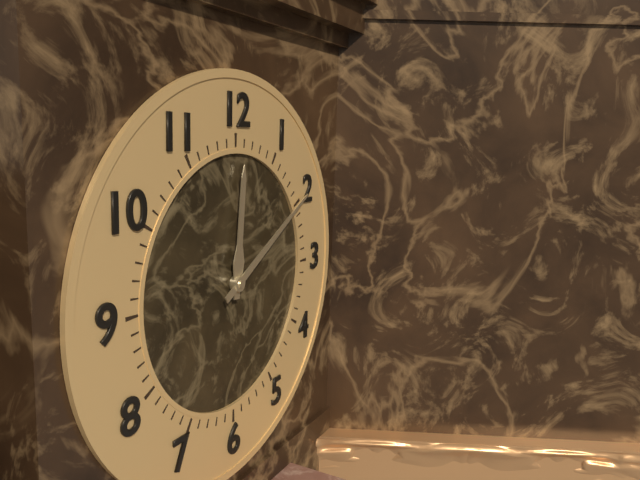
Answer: 12,10
